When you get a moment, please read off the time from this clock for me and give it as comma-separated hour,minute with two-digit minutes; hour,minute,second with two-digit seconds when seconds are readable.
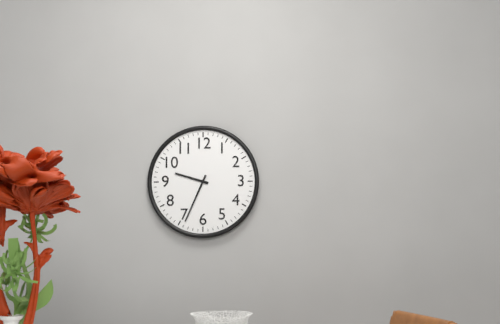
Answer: 9,34
